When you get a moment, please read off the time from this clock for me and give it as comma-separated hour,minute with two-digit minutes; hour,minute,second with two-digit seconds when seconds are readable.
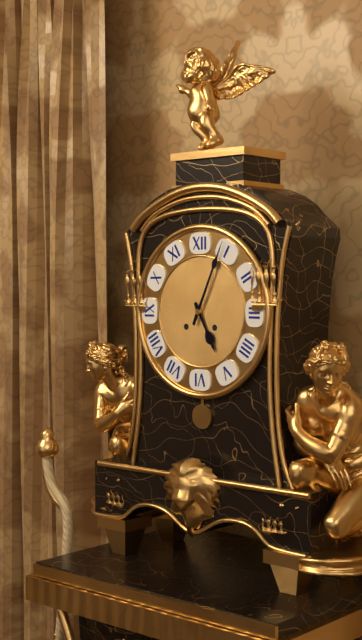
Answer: 5,04
